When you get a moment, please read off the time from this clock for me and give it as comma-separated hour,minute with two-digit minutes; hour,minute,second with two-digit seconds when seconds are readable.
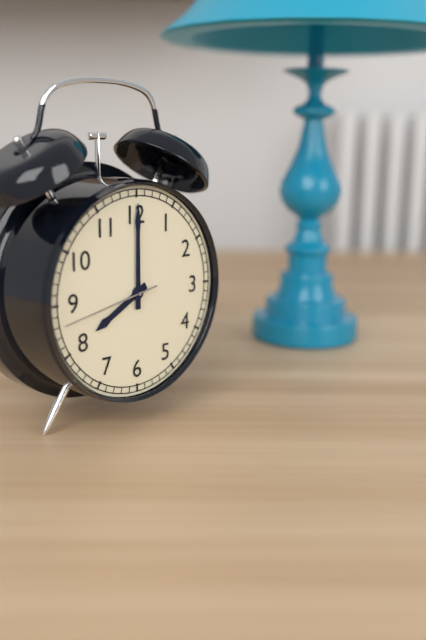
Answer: 8,00,43
